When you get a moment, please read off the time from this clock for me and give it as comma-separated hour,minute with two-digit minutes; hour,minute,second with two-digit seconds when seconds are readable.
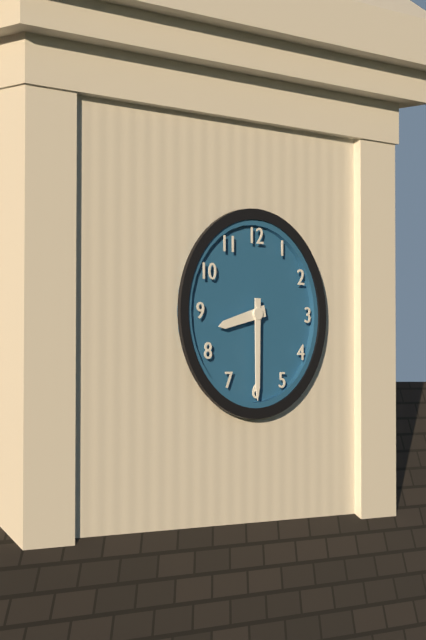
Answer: 8,30
